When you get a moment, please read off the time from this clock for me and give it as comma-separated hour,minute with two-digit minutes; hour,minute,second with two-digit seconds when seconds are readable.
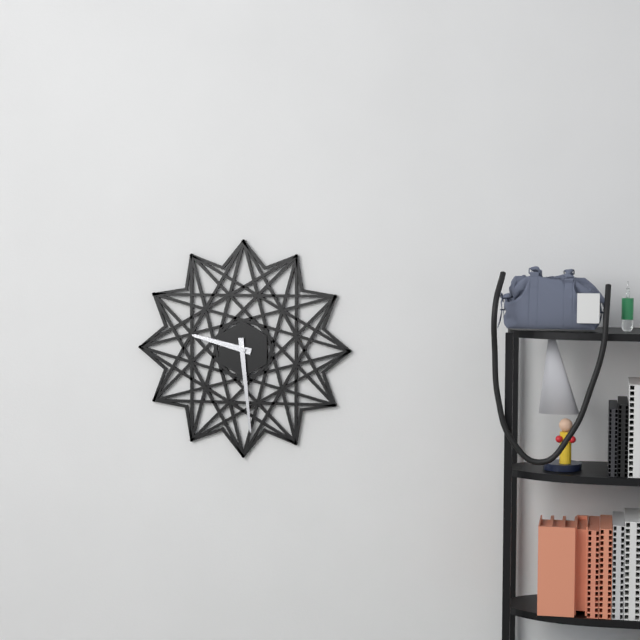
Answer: 9,29
